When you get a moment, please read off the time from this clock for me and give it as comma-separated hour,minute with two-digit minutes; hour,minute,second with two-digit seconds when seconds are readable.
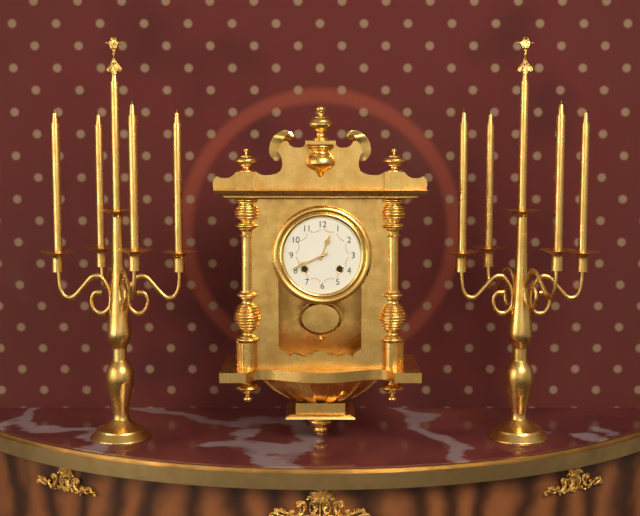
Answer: 12,41
